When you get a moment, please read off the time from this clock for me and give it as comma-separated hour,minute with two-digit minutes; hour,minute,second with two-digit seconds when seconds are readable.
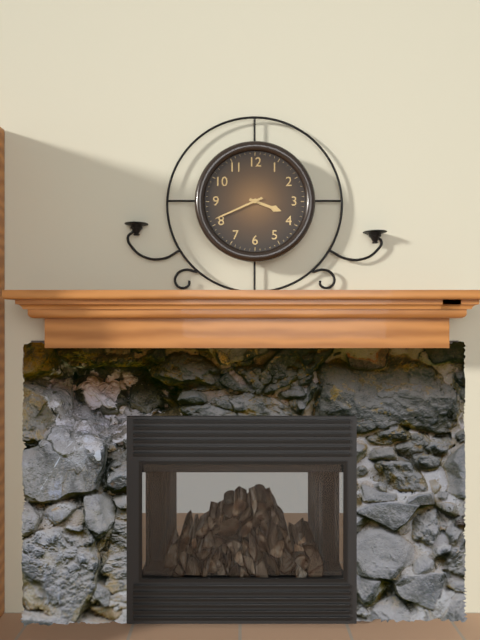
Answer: 3,41
